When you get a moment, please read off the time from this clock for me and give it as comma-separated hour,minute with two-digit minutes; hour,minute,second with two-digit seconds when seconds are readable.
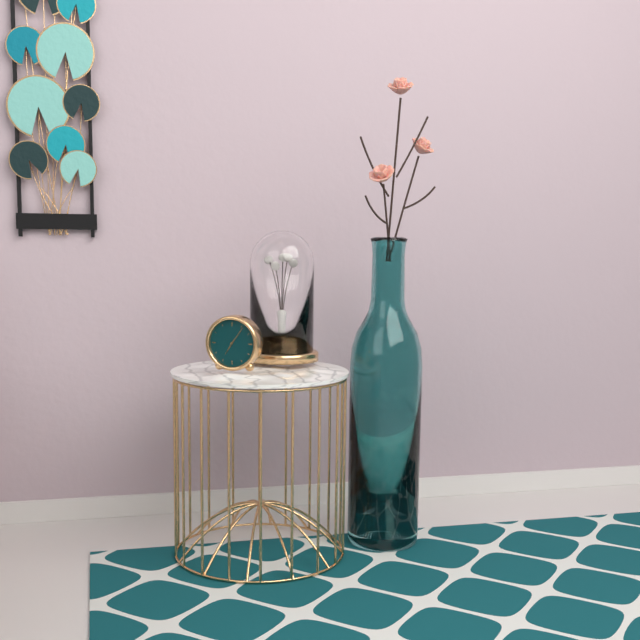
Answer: 7,06
